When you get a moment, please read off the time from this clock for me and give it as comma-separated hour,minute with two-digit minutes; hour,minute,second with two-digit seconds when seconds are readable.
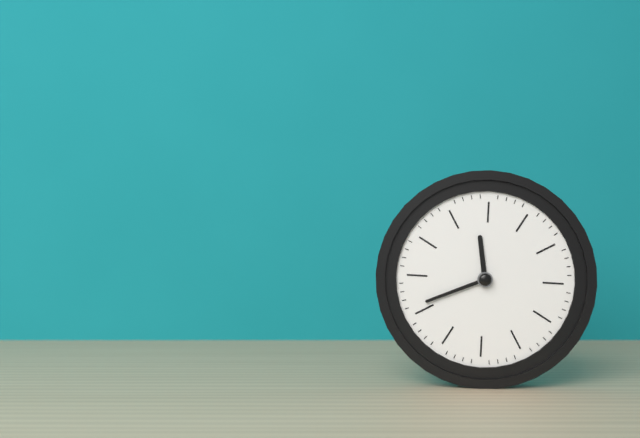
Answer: 11,41
